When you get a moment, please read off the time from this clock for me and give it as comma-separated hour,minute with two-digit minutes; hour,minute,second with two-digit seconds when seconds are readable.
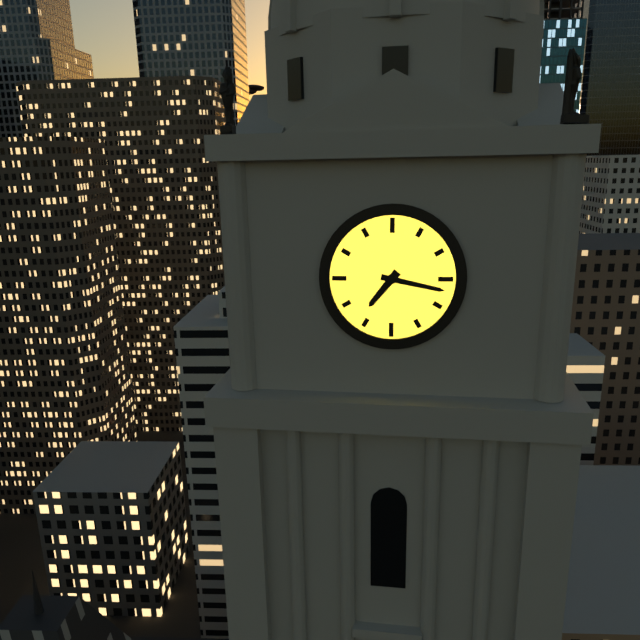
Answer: 7,17
